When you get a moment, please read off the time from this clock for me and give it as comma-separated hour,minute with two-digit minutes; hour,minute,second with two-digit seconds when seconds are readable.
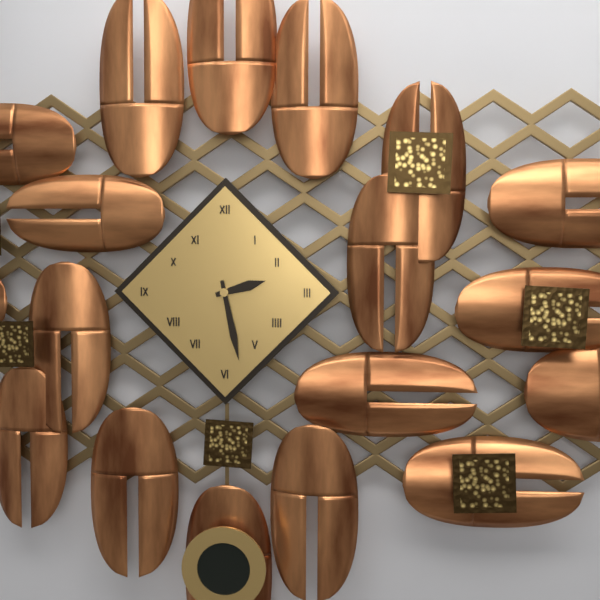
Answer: 2,28
